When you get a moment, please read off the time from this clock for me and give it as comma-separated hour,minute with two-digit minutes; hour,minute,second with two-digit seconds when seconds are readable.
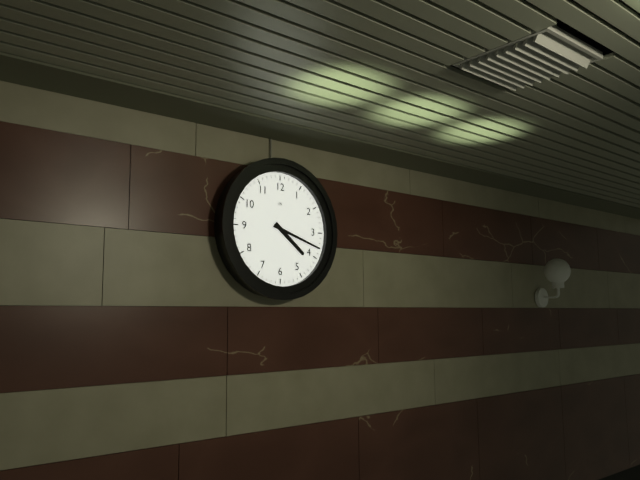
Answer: 4,18
